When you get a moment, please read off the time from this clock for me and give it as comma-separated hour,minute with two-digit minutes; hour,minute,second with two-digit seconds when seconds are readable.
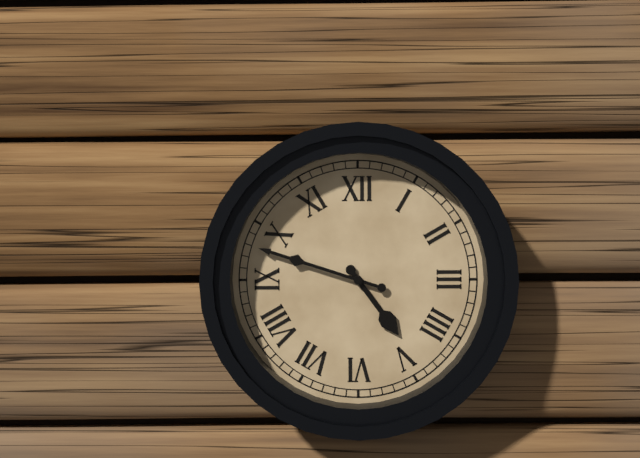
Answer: 4,48
